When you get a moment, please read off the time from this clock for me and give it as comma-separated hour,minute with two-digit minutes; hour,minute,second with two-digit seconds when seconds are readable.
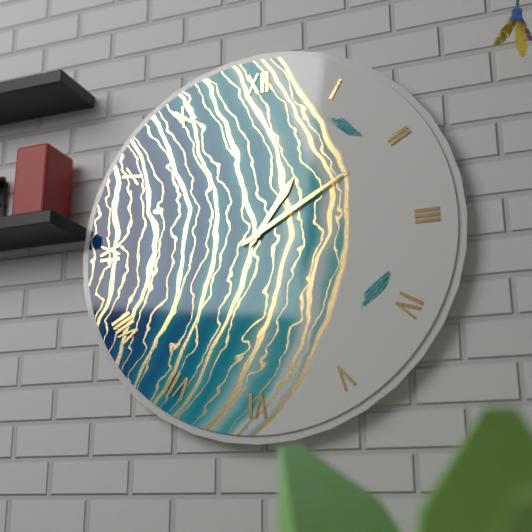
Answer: 1,10
